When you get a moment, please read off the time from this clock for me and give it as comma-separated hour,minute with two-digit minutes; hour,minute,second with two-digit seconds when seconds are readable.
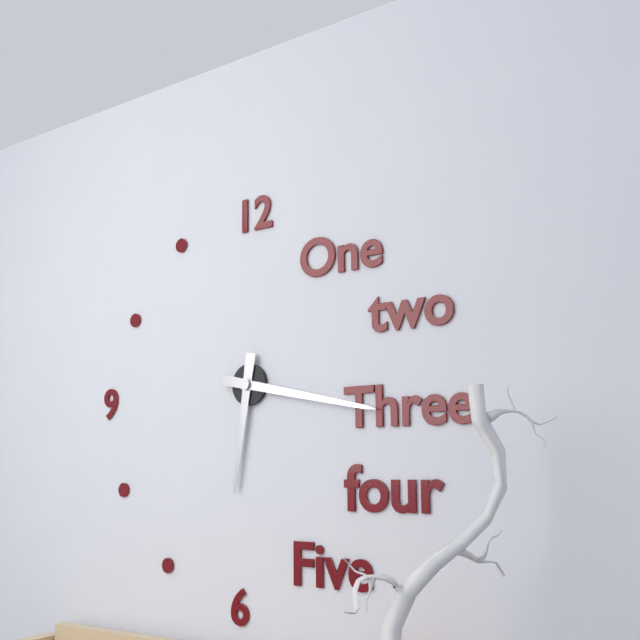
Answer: 6,17
